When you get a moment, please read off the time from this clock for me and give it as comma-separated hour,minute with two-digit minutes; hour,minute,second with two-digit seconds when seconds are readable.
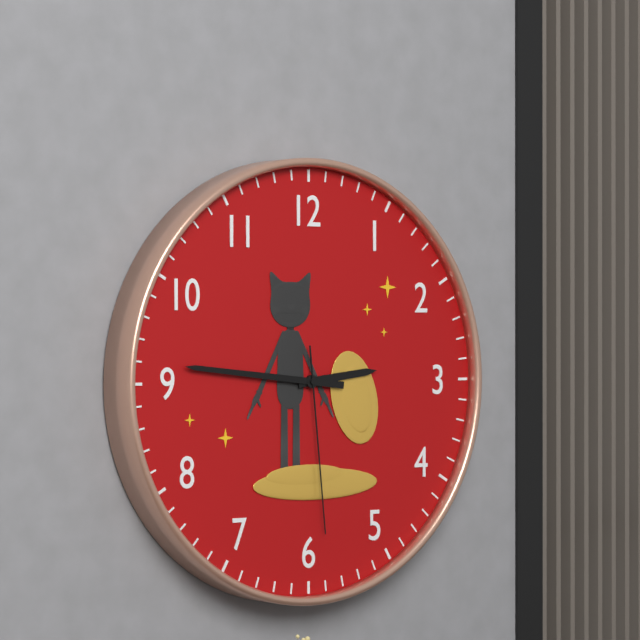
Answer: 2,46,29
